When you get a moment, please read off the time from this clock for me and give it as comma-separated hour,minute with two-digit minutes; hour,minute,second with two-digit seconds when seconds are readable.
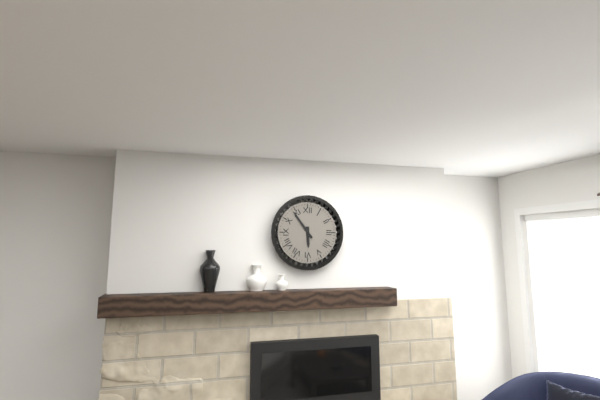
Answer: 5,54
